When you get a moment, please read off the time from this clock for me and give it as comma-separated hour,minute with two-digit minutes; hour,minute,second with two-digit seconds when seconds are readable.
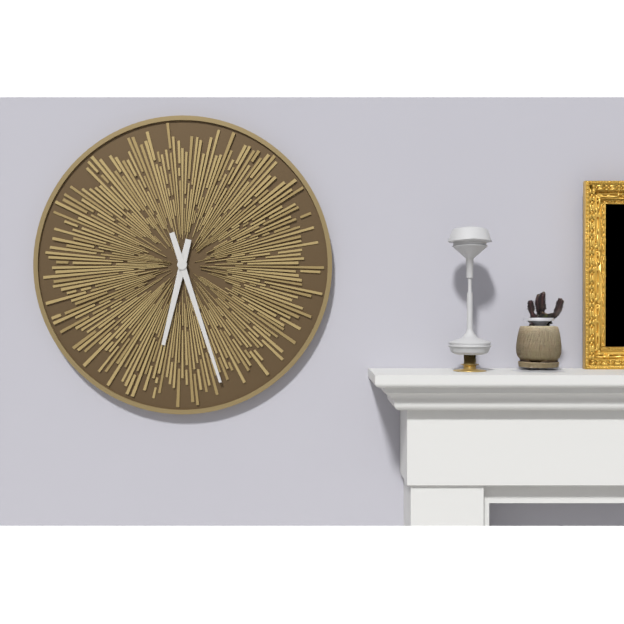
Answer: 6,27
